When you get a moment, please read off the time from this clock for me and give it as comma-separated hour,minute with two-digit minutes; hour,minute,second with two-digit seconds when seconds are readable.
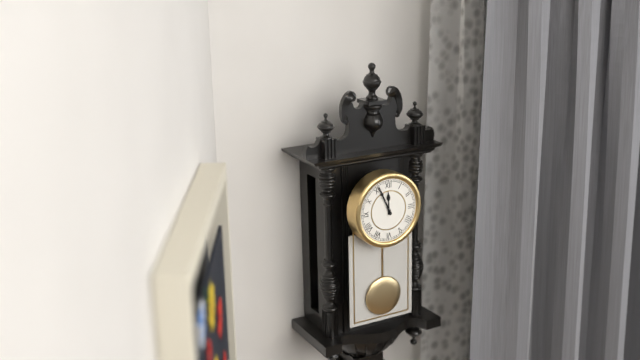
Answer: 11,56
